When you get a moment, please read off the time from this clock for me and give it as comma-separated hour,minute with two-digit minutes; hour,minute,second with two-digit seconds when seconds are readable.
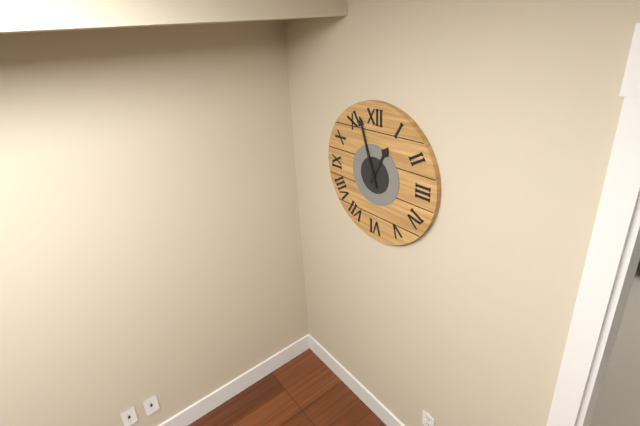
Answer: 12,57
